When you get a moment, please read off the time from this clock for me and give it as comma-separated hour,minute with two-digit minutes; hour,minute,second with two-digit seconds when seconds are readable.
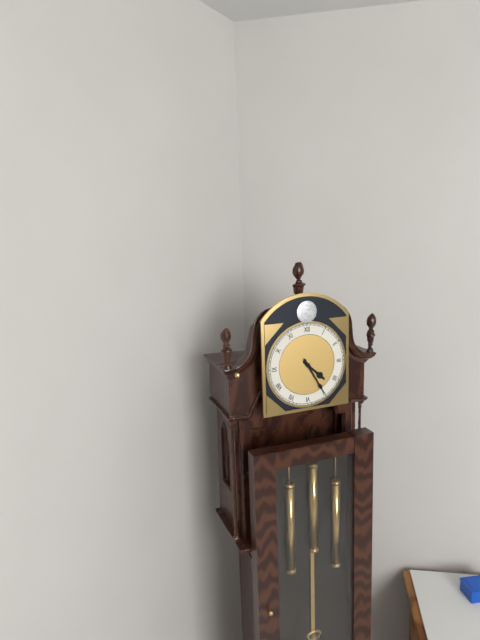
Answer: 4,25
